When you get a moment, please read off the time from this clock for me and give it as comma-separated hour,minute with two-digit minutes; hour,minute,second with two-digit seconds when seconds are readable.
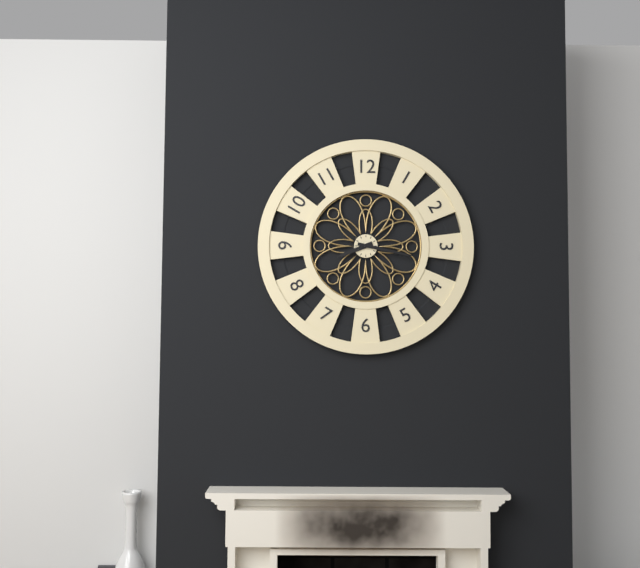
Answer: 8,17
